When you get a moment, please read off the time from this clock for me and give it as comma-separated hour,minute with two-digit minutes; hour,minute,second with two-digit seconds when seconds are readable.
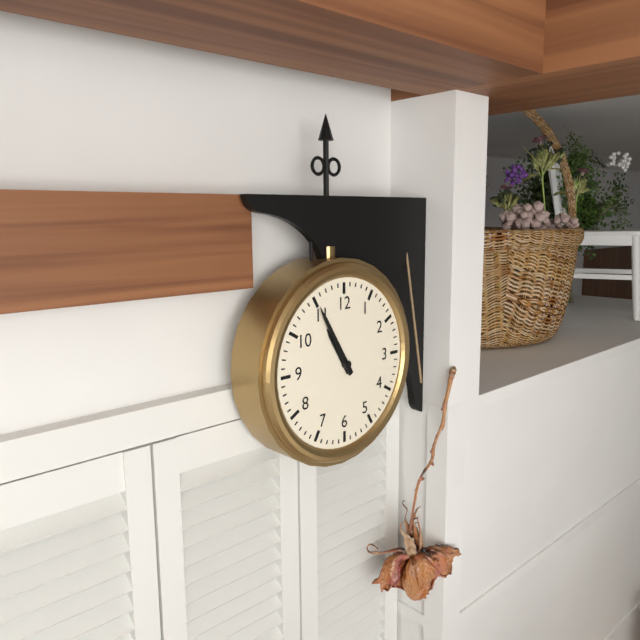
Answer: 10,55
